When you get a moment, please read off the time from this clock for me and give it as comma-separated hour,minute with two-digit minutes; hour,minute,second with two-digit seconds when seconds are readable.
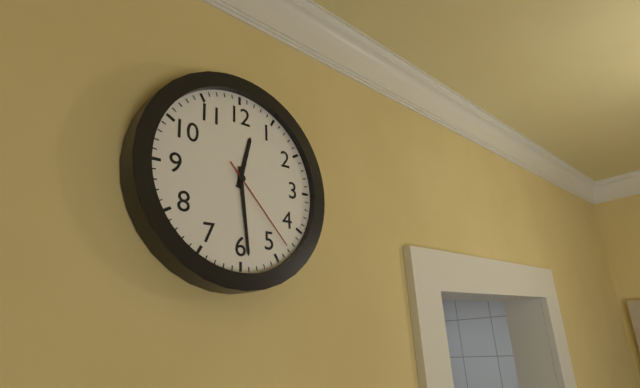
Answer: 12,29,23
